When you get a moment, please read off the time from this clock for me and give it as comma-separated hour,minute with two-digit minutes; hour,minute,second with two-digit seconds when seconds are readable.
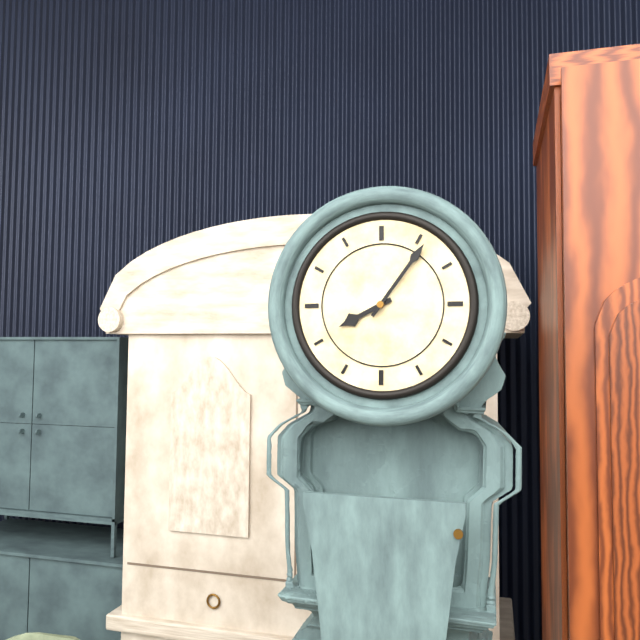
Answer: 8,06
